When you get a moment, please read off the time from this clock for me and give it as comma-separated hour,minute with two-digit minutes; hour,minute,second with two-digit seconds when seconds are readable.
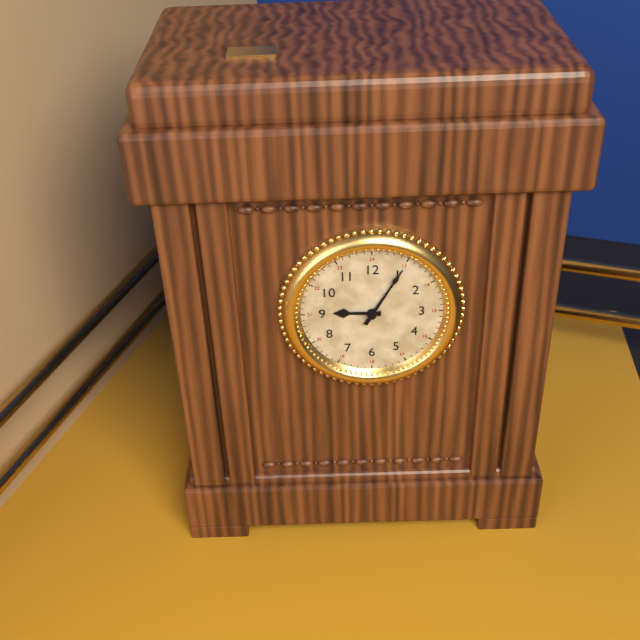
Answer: 9,05
